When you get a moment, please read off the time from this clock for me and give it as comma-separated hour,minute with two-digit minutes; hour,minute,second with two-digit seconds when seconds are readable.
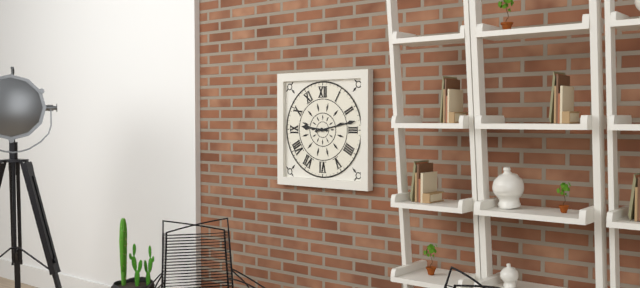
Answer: 9,13
